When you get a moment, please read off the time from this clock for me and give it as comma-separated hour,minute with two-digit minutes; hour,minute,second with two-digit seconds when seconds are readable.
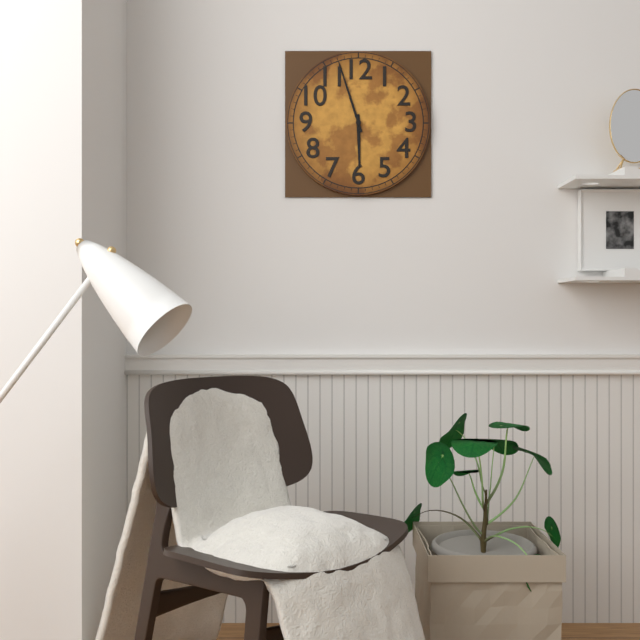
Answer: 5,57
